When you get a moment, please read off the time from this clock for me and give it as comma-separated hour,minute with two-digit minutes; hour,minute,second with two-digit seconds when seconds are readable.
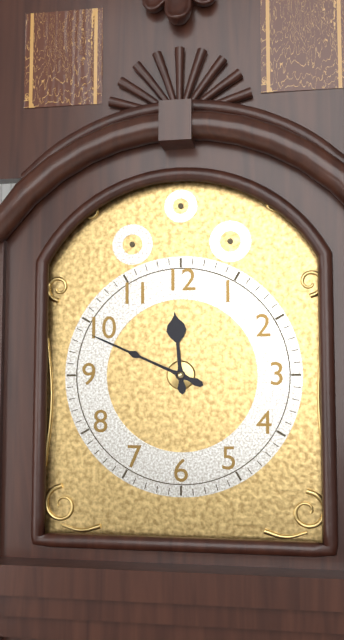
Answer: 11,49
